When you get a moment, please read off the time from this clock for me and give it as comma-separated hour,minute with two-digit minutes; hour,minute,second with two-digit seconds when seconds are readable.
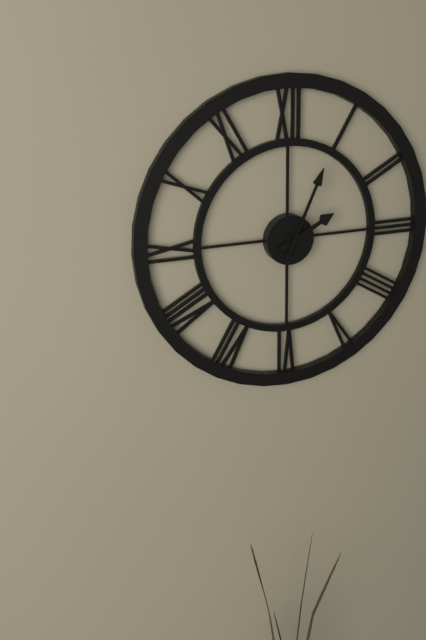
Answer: 2,04
